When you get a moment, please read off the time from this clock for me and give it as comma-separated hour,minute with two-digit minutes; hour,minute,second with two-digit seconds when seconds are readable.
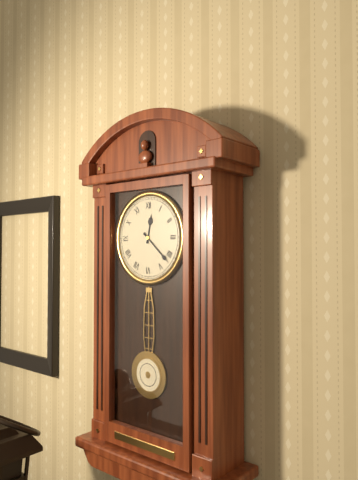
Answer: 12,22
